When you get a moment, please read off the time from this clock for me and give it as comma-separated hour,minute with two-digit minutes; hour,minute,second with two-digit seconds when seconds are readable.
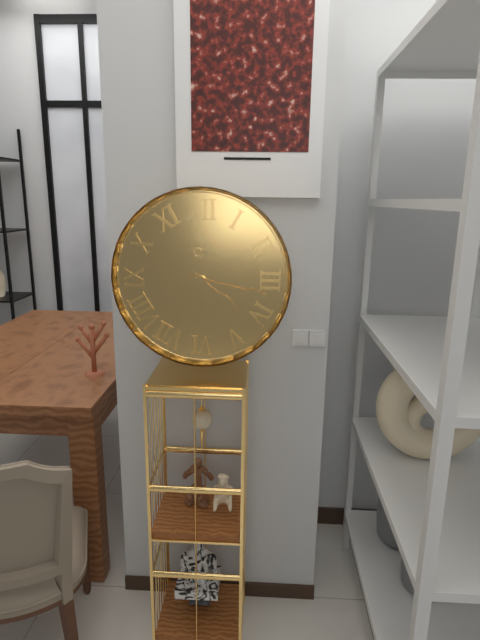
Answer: 4,17
